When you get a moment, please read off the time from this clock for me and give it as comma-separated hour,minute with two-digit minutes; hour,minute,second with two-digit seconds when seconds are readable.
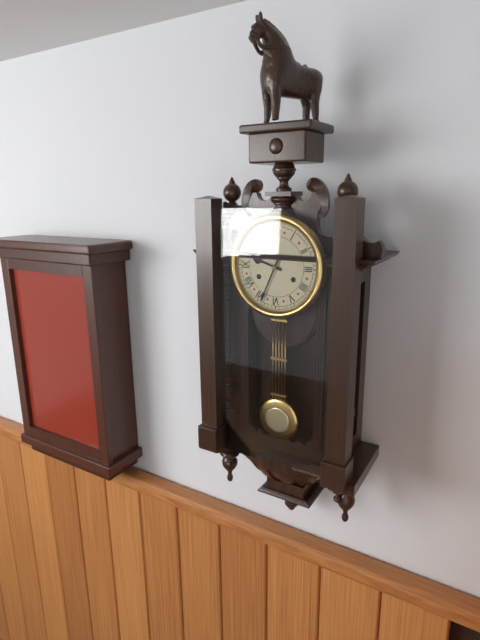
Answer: 9,34
